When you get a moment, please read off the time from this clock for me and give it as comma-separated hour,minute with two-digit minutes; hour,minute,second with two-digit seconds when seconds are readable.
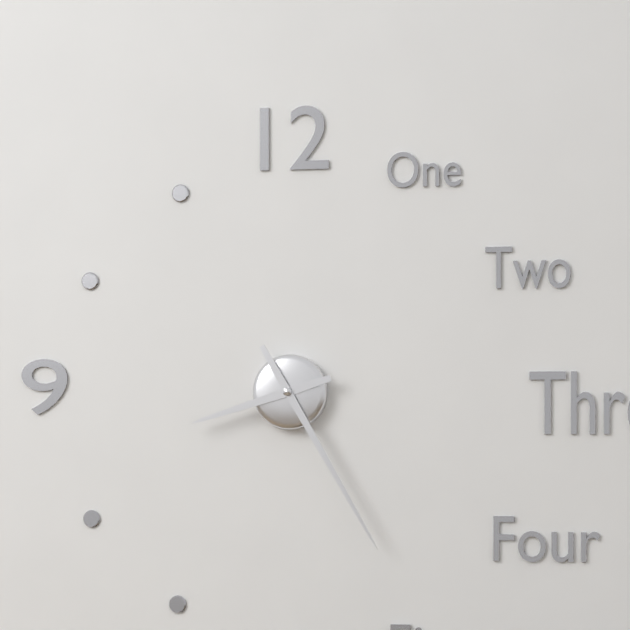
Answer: 8,25
